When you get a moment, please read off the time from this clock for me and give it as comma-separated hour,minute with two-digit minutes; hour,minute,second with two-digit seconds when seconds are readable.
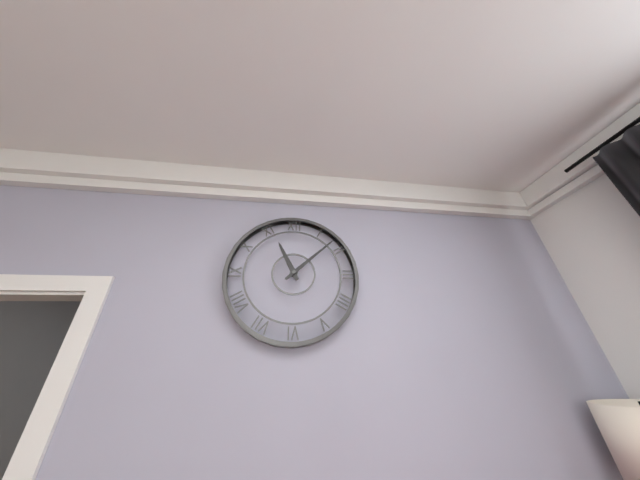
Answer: 11,08
